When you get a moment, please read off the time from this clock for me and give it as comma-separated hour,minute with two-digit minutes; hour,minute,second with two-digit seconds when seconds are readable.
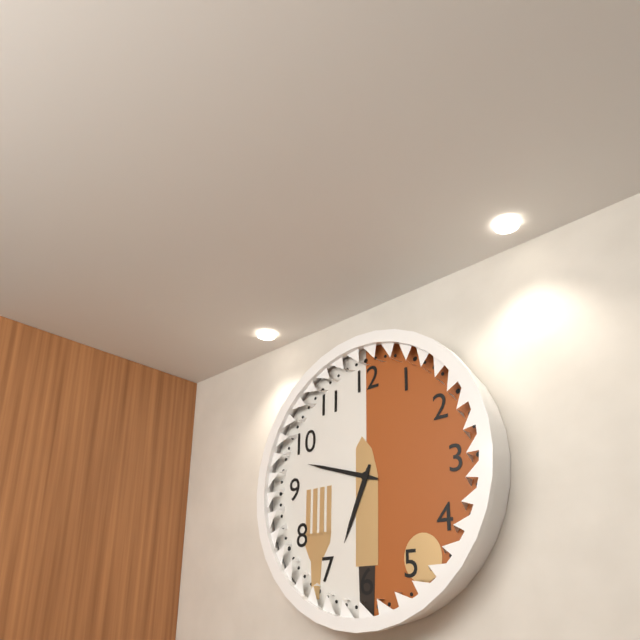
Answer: 6,48
